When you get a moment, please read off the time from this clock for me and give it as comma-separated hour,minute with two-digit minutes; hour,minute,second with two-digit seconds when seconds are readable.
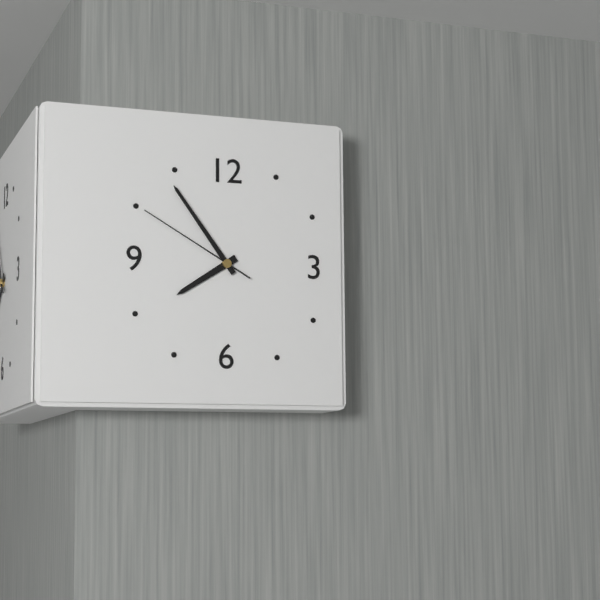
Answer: 7,54,50
